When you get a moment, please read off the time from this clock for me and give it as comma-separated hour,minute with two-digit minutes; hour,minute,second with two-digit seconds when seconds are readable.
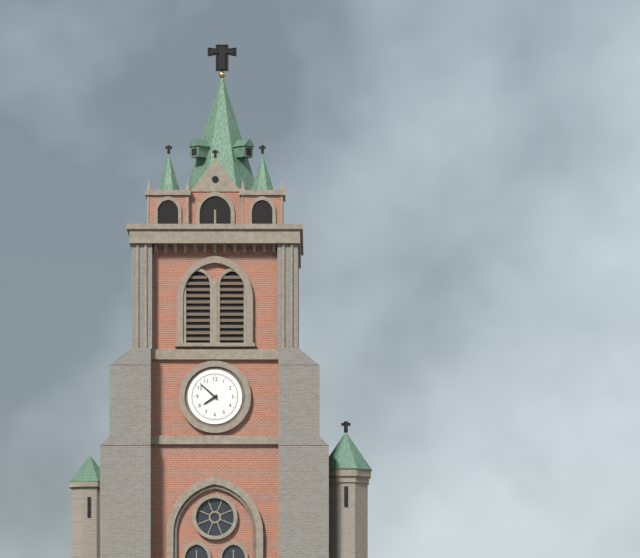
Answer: 7,52
